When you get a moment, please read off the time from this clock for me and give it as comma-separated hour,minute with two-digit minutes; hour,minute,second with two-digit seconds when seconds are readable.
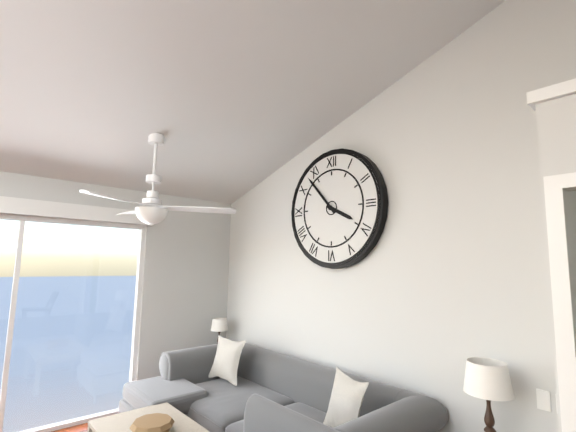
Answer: 3,53
